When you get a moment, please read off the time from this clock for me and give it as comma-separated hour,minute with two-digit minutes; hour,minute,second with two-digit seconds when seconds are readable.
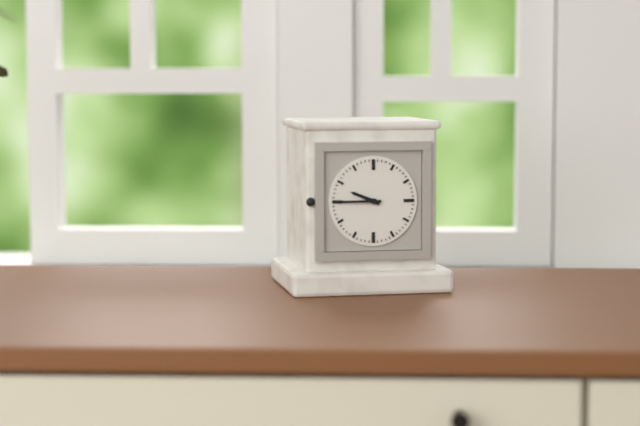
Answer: 9,45
